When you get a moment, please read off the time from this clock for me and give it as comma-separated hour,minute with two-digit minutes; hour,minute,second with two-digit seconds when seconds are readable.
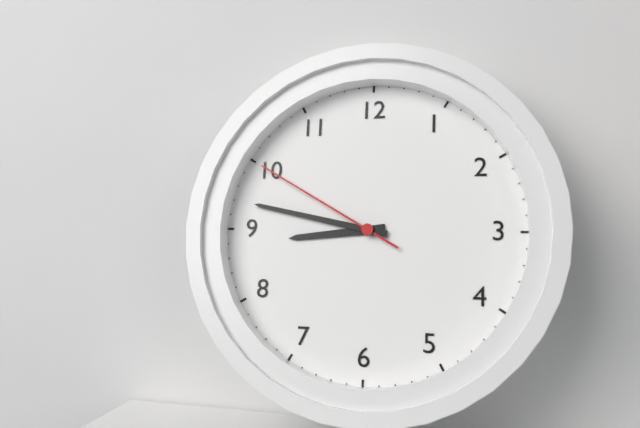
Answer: 8,47,50
